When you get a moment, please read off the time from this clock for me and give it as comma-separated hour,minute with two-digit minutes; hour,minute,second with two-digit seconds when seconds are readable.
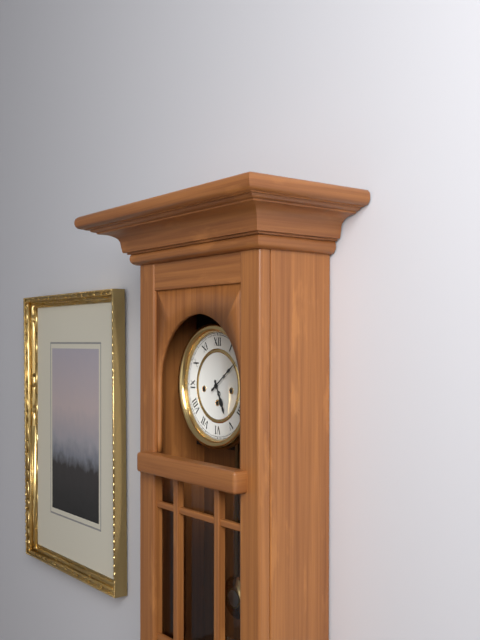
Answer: 5,09
